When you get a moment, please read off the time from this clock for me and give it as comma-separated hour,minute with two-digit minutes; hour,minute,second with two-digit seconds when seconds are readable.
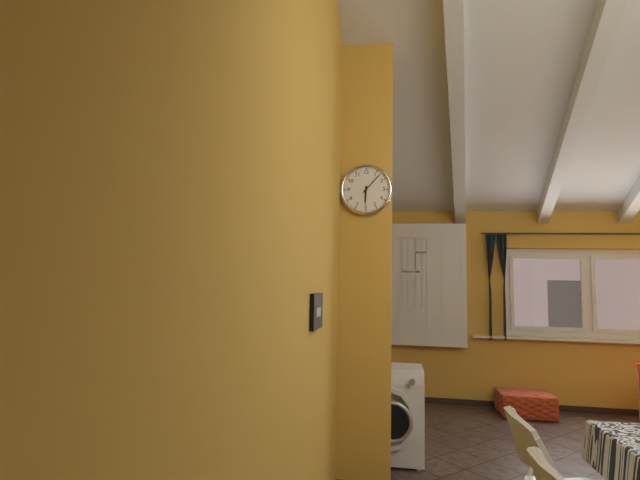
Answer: 6,07
